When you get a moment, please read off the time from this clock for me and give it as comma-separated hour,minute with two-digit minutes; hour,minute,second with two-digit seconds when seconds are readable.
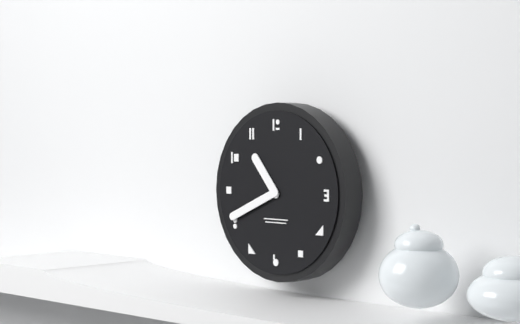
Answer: 10,41
